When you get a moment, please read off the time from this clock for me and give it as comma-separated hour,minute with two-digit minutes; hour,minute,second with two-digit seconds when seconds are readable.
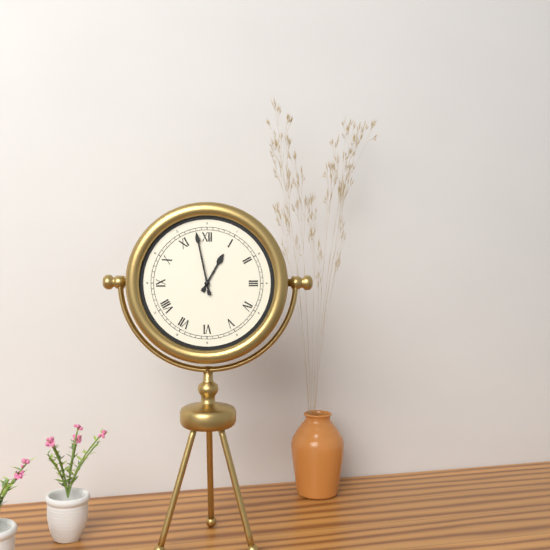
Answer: 12,58
